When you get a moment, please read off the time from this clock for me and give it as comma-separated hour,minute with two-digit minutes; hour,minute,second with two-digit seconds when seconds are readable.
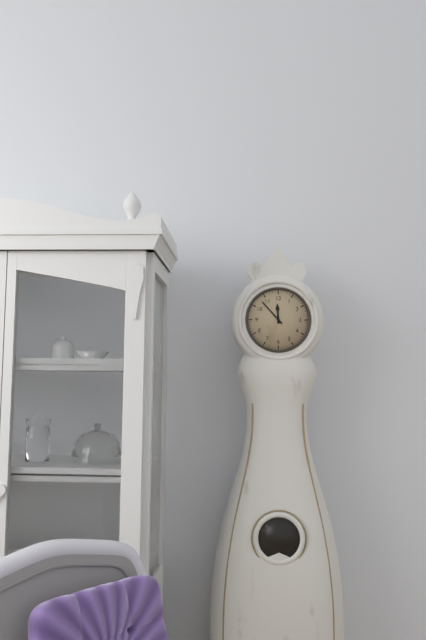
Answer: 11,53
